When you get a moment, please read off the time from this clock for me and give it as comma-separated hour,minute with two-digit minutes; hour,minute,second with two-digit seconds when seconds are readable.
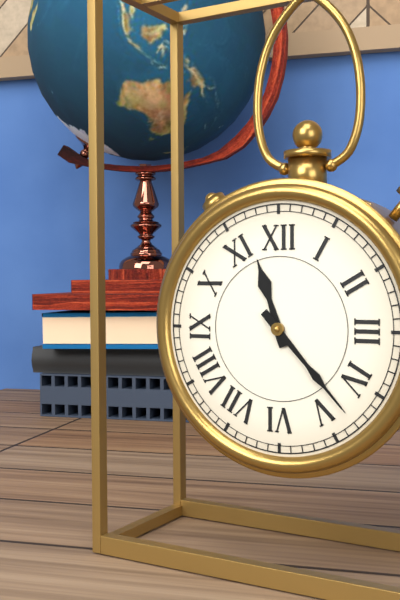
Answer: 11,23
